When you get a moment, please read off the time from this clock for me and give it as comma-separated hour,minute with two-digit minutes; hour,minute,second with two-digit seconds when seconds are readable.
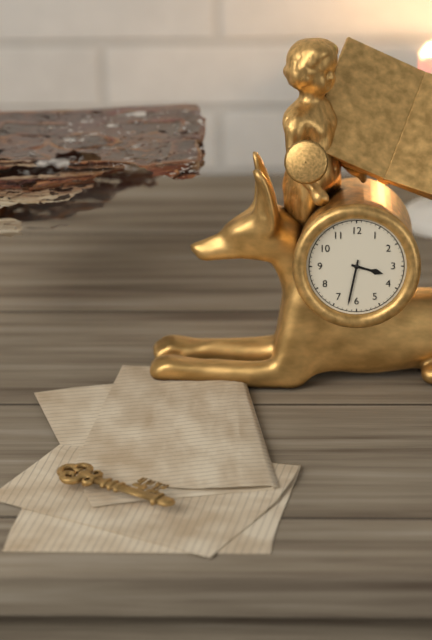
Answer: 3,32
